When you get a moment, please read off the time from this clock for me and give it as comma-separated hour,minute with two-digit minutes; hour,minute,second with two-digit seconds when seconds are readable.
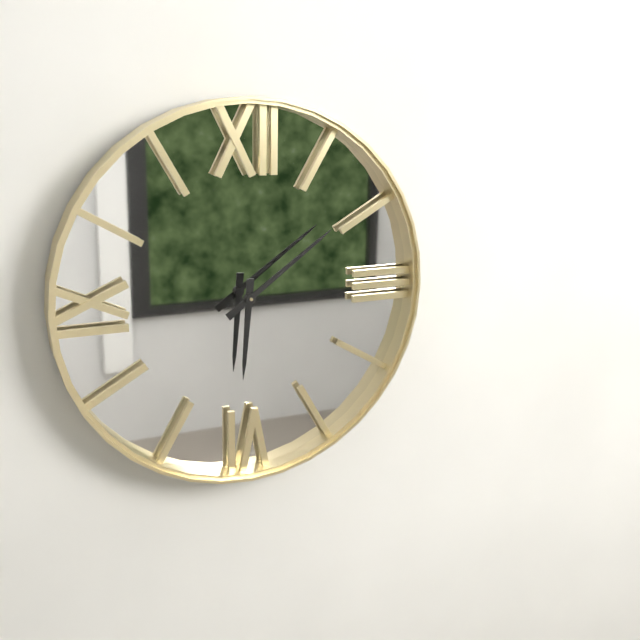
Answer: 6,09
